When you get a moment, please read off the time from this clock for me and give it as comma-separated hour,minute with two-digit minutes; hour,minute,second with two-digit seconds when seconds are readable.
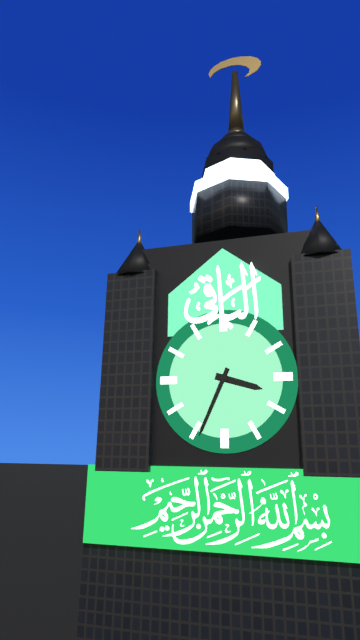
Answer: 3,34
